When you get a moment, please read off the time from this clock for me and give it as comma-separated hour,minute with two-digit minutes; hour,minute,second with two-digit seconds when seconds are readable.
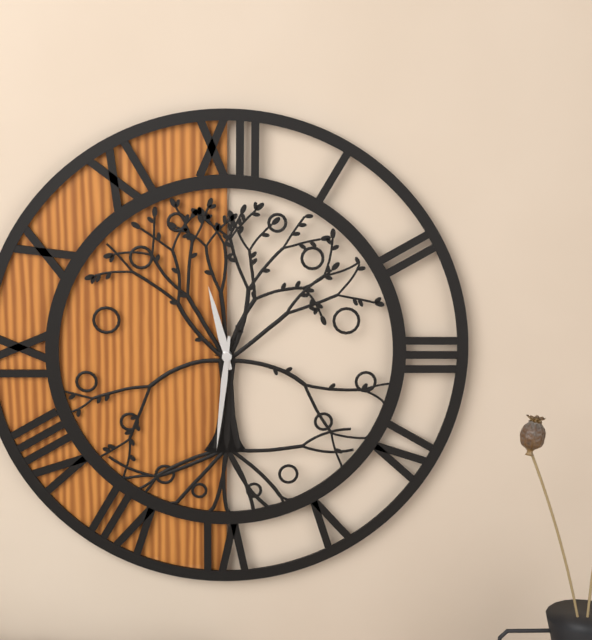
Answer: 11,31
